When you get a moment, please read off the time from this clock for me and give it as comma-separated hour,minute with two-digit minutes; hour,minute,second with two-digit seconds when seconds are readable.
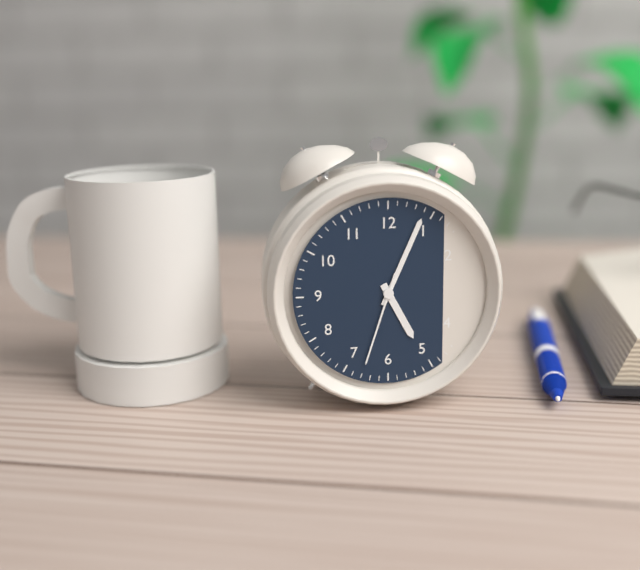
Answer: 5,04,33
